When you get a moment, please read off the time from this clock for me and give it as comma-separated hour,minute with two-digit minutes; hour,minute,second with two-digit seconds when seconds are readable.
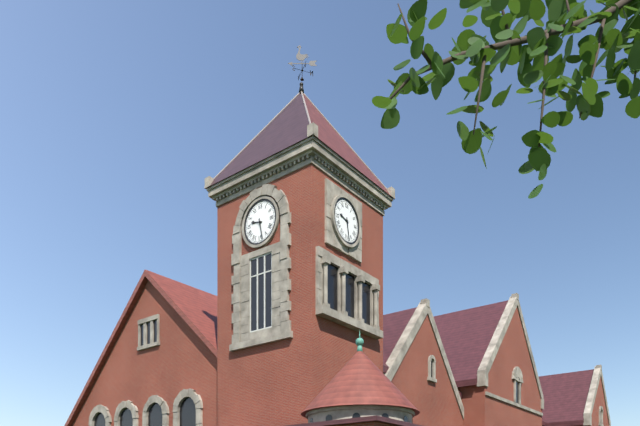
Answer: 9,28
